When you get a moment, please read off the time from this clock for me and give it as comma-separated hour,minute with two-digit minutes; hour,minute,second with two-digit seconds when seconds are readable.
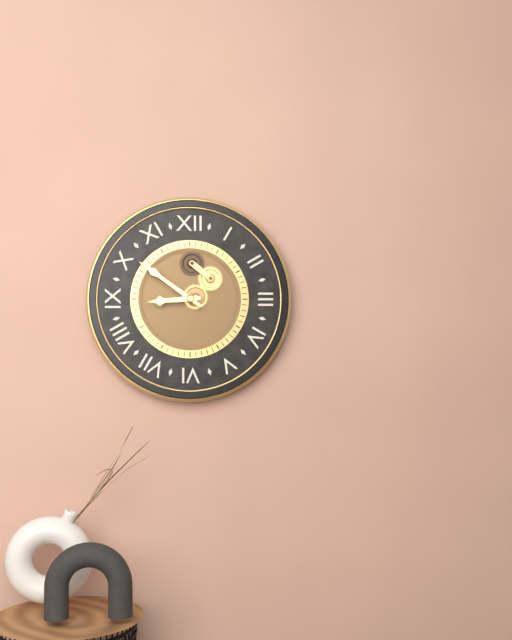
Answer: 8,51
